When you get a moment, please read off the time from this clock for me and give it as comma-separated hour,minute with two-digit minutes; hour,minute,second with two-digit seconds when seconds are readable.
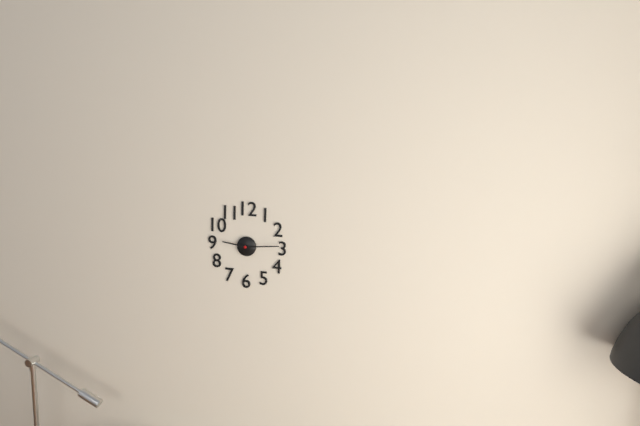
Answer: 9,14
